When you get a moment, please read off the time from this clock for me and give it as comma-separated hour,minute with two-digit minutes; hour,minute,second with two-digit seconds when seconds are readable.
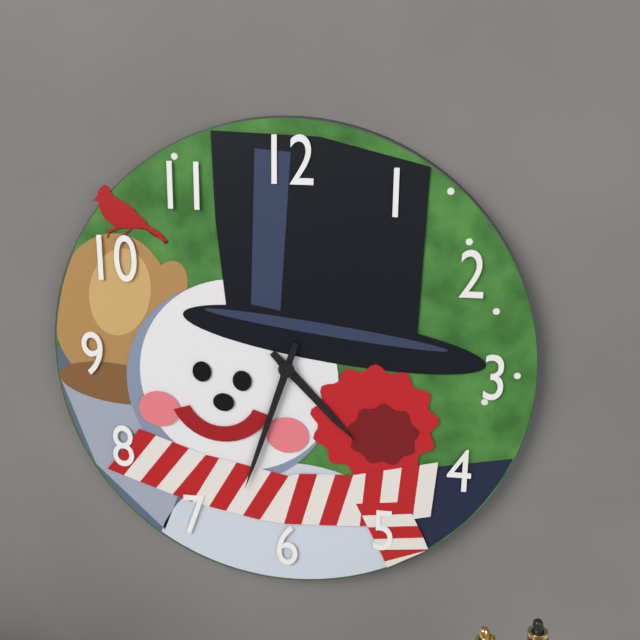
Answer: 4,33
